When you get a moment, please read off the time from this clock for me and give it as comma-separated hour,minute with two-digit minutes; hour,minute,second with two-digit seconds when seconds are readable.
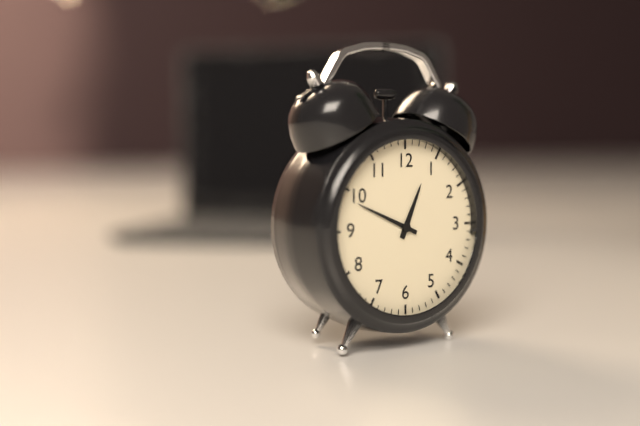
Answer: 12,49
